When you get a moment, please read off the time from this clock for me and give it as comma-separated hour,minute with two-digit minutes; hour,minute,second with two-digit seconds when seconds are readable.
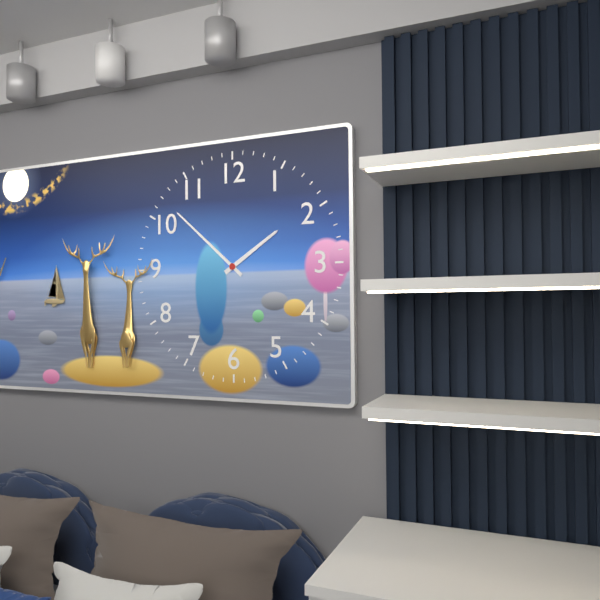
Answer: 1,52
